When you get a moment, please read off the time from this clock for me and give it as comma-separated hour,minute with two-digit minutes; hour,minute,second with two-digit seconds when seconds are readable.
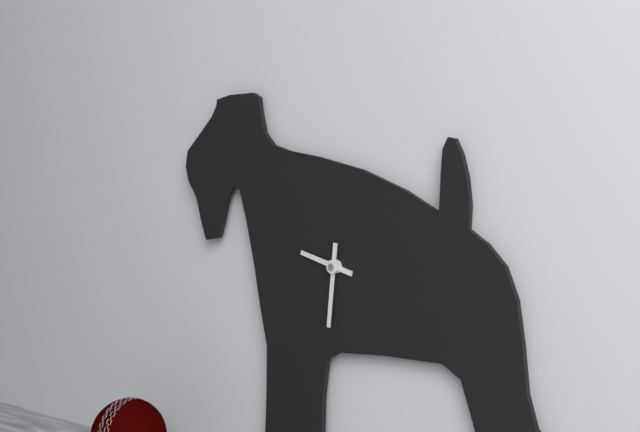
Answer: 9,31
